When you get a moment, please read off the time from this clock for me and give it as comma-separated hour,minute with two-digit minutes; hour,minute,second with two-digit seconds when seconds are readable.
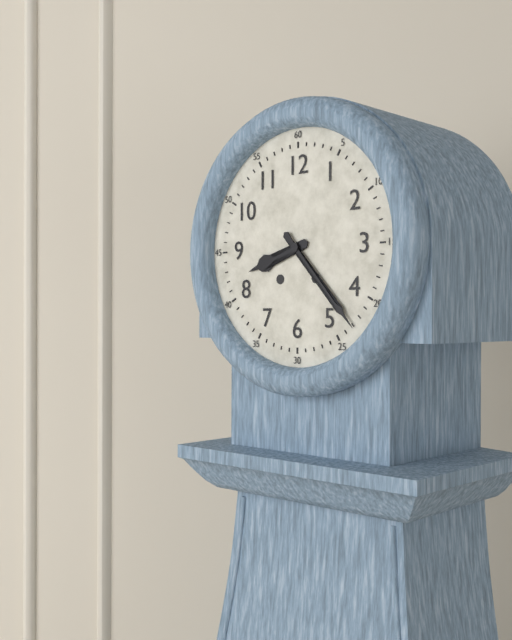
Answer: 8,23
